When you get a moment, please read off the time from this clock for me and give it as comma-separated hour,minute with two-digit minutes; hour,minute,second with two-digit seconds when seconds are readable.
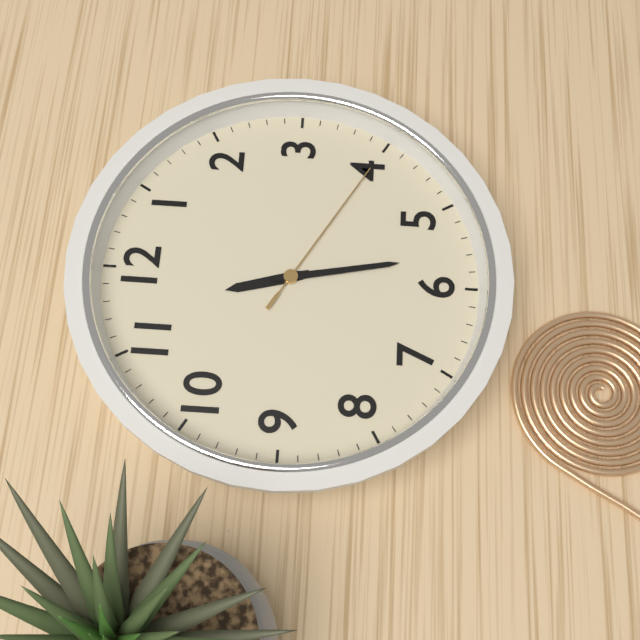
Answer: 11,28,20
